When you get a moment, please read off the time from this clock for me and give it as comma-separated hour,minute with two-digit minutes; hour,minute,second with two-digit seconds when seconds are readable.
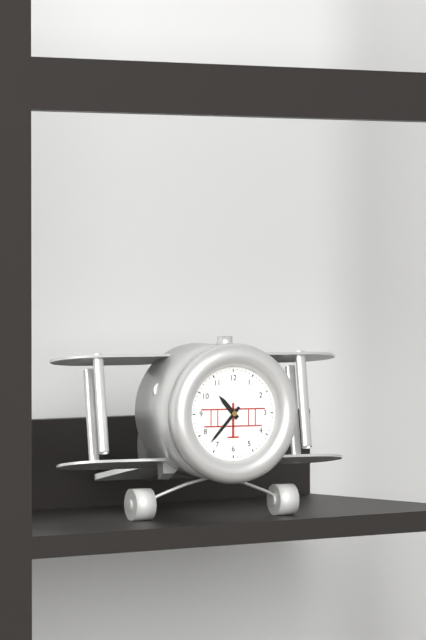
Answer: 10,37
